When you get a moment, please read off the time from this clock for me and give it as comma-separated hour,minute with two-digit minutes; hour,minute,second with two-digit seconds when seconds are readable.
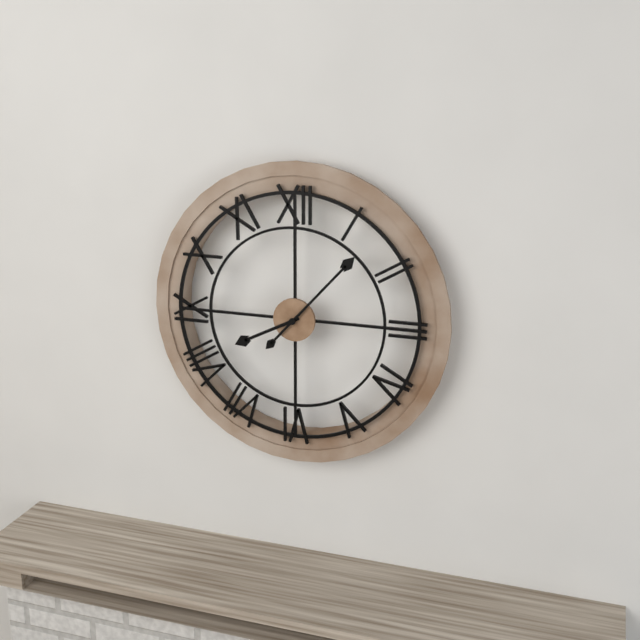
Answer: 8,07
